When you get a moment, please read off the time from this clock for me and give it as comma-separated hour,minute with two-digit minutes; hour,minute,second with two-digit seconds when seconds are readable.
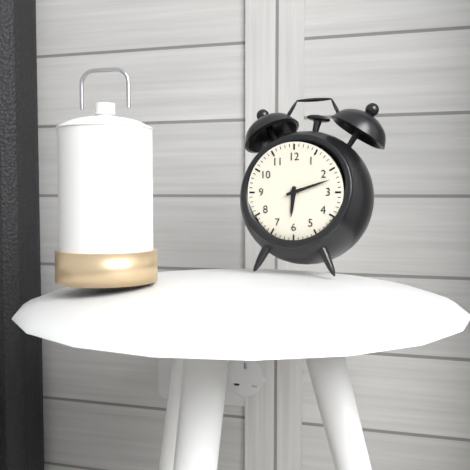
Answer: 6,12
